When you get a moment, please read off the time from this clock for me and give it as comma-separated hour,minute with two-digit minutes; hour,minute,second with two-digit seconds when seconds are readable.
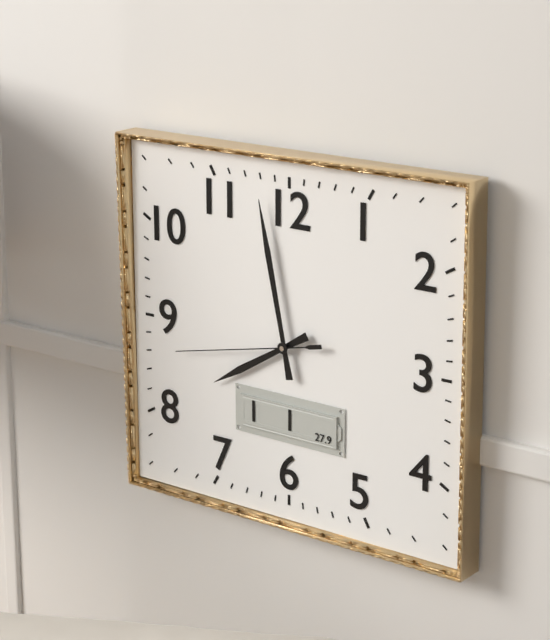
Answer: 7,58,43
